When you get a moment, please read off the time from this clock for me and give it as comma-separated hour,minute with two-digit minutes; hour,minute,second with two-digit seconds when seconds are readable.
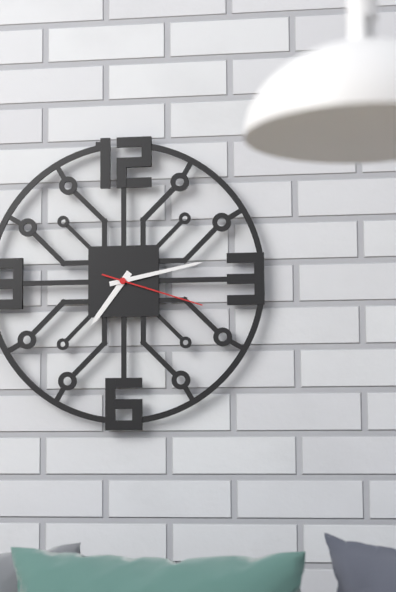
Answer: 7,13,18
